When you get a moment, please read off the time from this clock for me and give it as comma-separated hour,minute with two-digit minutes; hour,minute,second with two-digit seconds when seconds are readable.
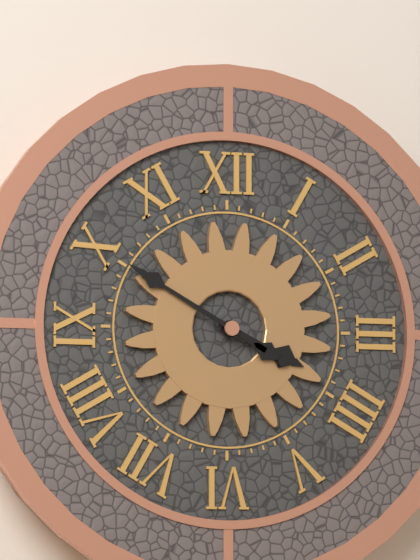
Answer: 3,50
